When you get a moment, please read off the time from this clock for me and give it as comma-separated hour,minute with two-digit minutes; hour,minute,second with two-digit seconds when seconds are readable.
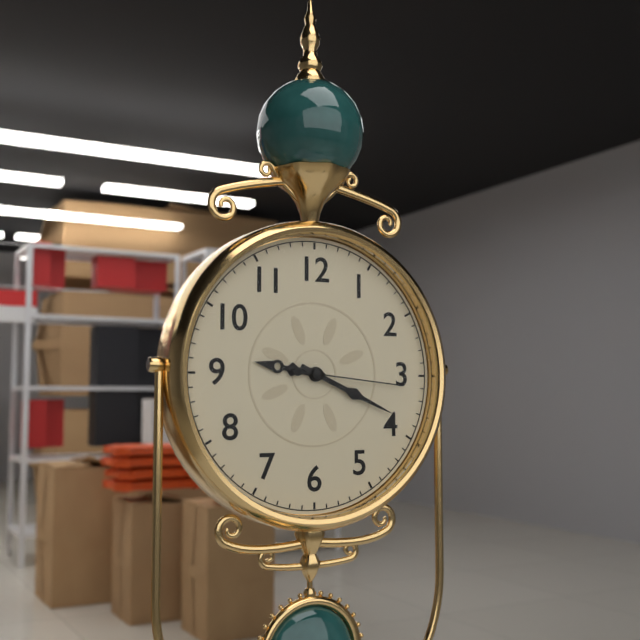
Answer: 9,19,16
